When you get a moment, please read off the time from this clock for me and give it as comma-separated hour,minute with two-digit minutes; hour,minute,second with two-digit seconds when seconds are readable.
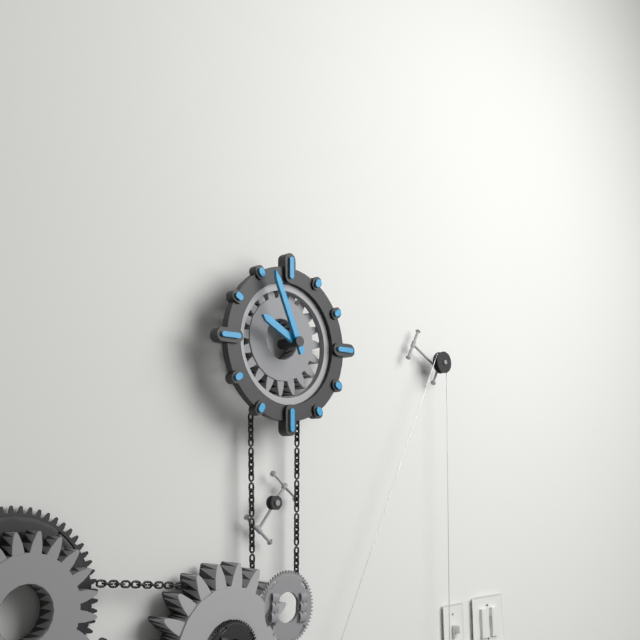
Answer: 9,56
